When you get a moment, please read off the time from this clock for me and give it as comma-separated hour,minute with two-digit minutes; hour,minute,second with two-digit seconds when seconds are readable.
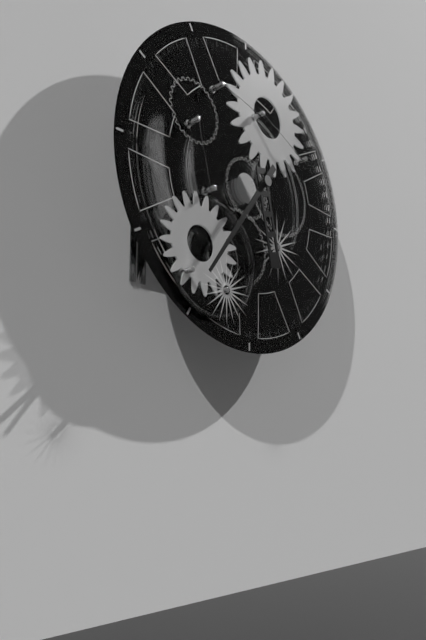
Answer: 5,36
